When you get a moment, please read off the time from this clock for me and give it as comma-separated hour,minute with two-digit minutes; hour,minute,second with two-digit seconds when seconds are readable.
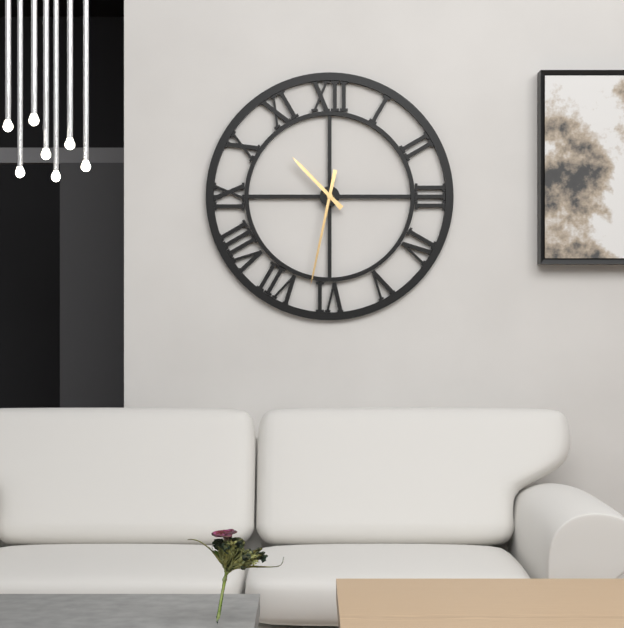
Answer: 10,32
